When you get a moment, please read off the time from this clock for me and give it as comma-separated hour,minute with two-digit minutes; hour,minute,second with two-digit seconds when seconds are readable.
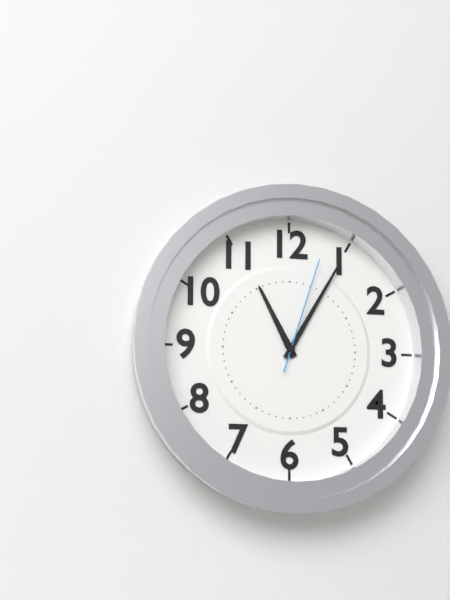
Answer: 11,05,03
